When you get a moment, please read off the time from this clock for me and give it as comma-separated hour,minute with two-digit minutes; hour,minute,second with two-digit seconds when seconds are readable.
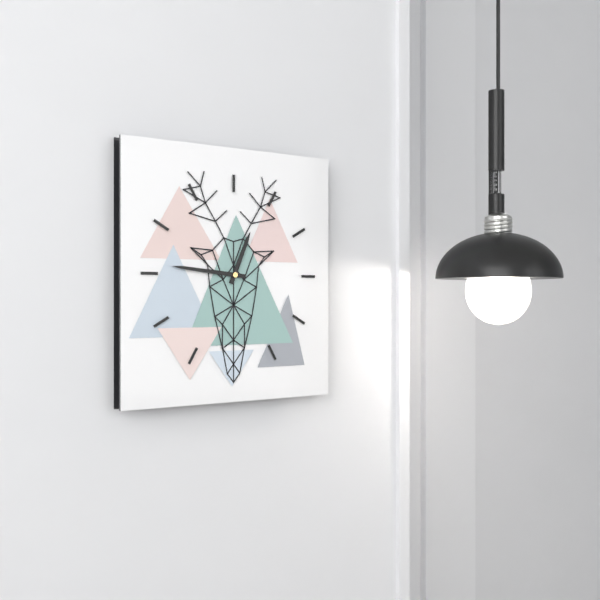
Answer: 12,46
